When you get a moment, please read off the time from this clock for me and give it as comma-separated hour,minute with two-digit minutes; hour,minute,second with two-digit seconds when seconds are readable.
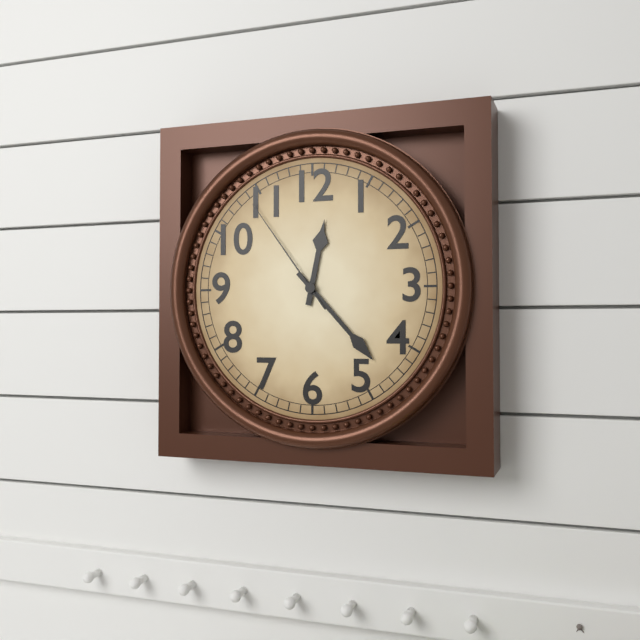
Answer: 12,23,54
